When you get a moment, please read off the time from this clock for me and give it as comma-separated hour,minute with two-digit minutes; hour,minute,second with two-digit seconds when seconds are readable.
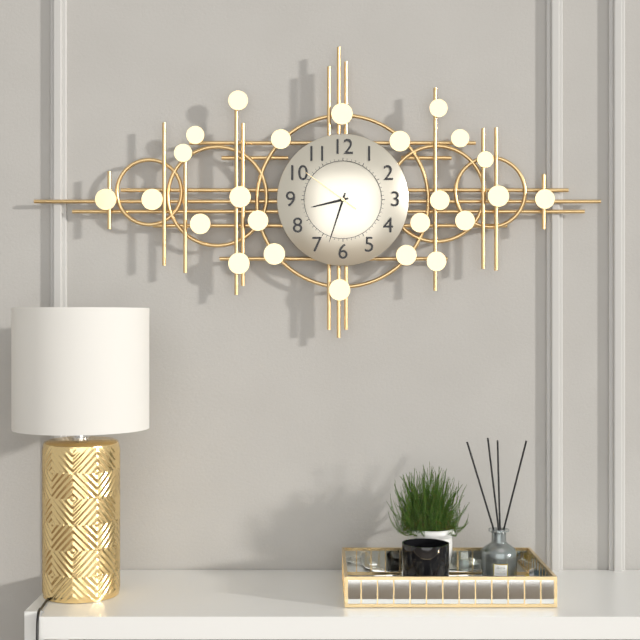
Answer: 8,33,51
